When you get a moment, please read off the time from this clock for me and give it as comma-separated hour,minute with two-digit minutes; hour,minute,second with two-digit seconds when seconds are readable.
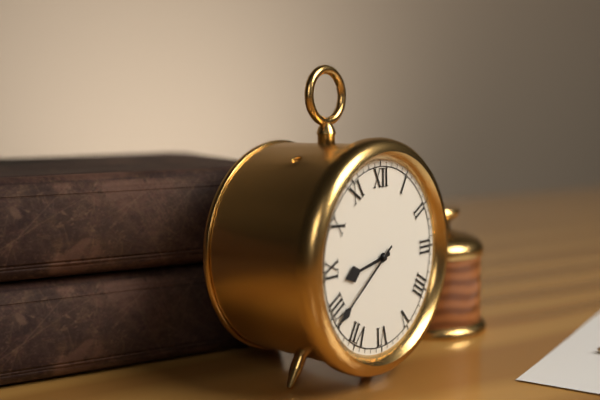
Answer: 8,39
